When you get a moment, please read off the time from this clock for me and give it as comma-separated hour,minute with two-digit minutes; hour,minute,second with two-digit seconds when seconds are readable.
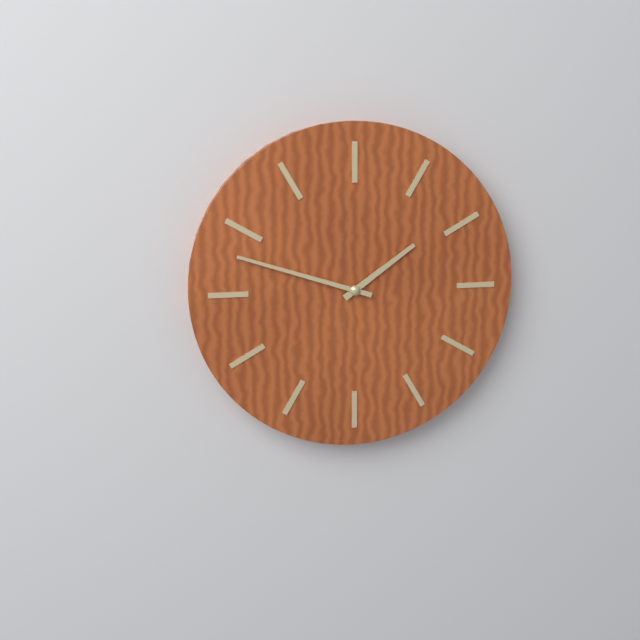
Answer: 1,48
